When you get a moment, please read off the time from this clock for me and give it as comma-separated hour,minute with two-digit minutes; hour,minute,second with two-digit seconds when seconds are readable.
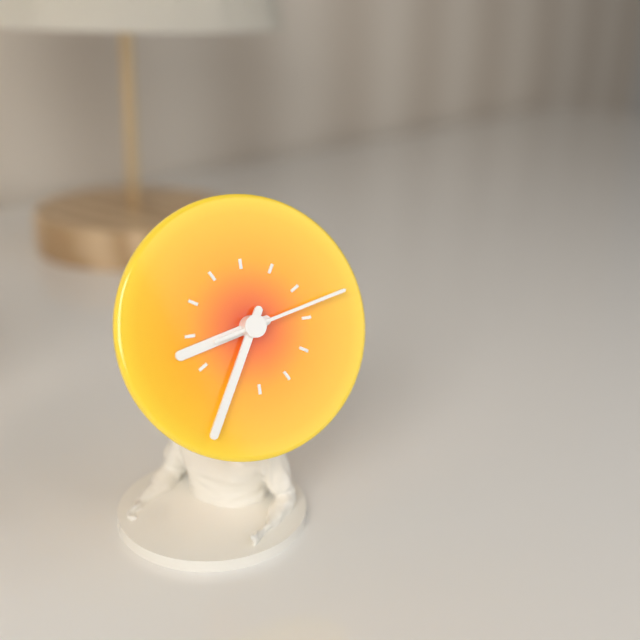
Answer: 8,35,13
